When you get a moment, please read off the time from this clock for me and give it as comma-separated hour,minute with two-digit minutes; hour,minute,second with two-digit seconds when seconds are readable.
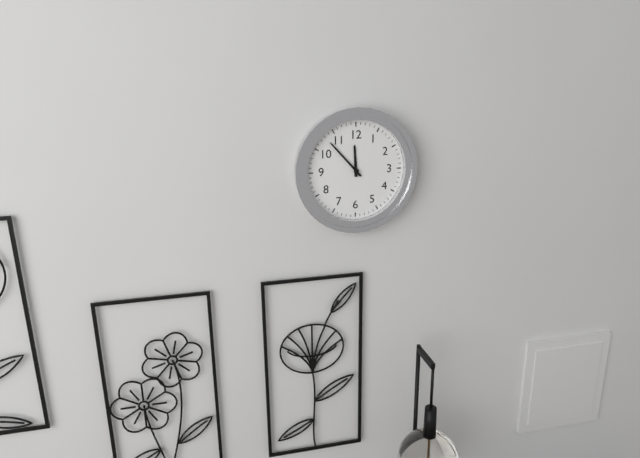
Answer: 11,53
